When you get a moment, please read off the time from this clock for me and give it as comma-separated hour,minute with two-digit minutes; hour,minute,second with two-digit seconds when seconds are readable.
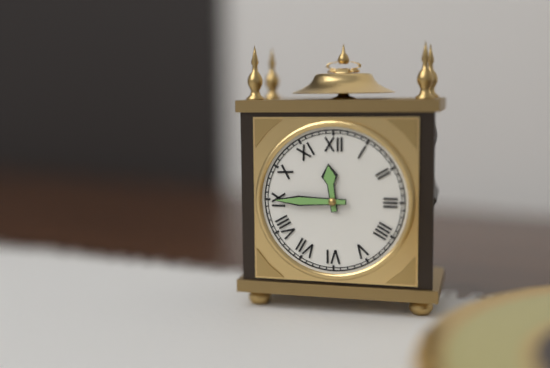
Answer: 11,45
